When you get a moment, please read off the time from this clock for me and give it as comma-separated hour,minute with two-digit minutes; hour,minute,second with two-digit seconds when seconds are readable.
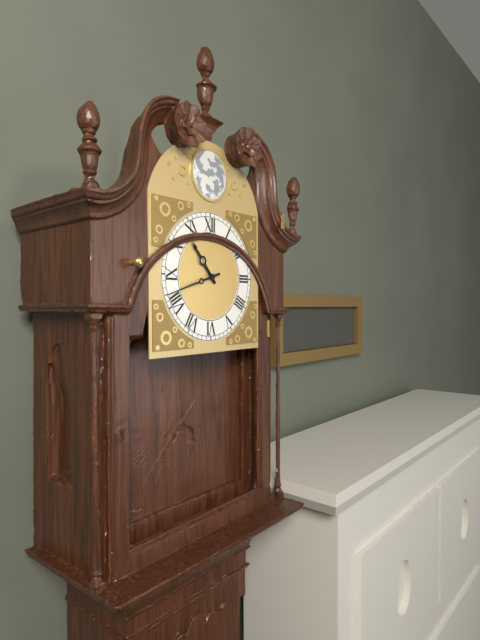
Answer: 10,42
